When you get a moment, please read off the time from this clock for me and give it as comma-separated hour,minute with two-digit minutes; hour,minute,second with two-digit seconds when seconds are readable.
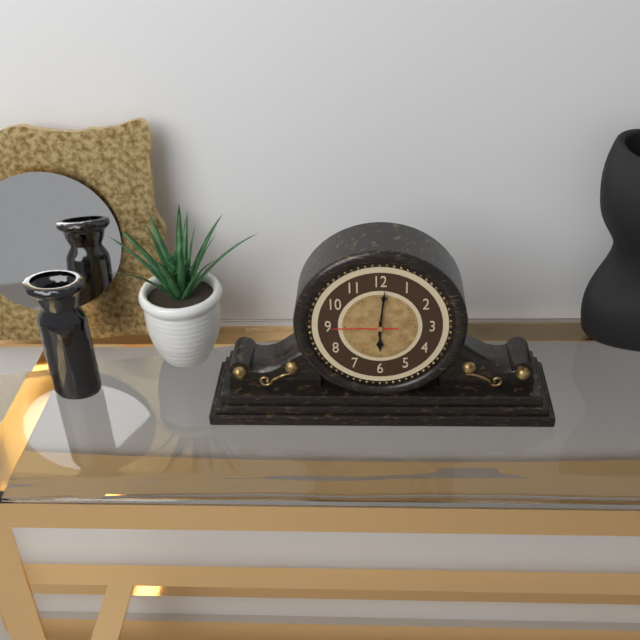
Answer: 6,01,45
